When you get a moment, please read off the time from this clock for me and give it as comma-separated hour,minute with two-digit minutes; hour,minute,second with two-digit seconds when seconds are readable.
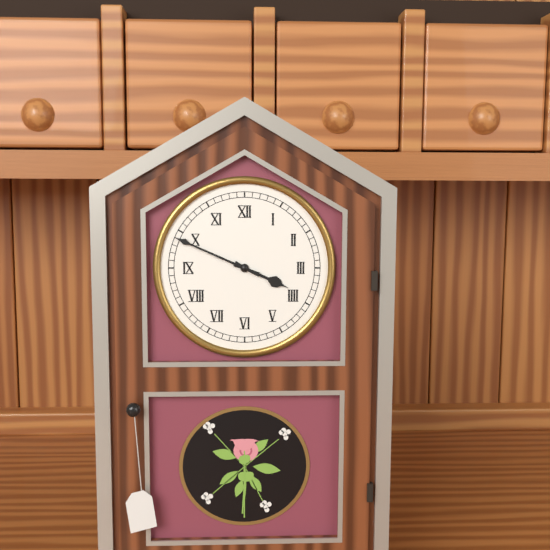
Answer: 3,49
